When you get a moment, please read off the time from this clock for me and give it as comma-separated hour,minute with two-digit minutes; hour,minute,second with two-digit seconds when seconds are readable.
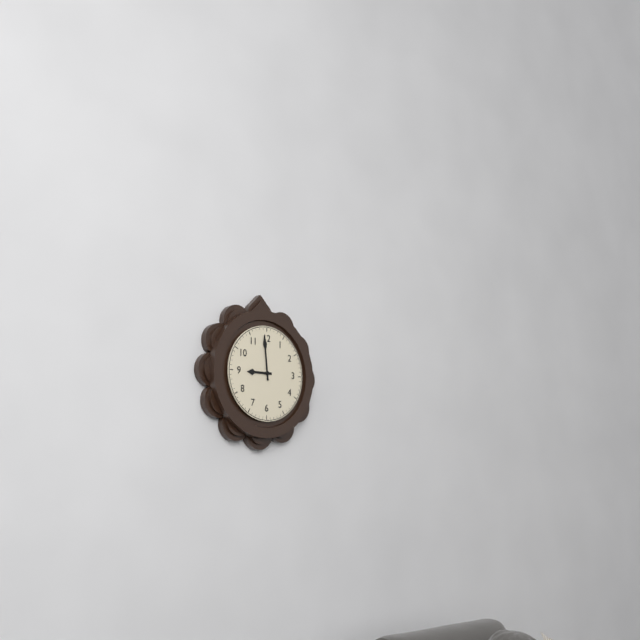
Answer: 8,59
